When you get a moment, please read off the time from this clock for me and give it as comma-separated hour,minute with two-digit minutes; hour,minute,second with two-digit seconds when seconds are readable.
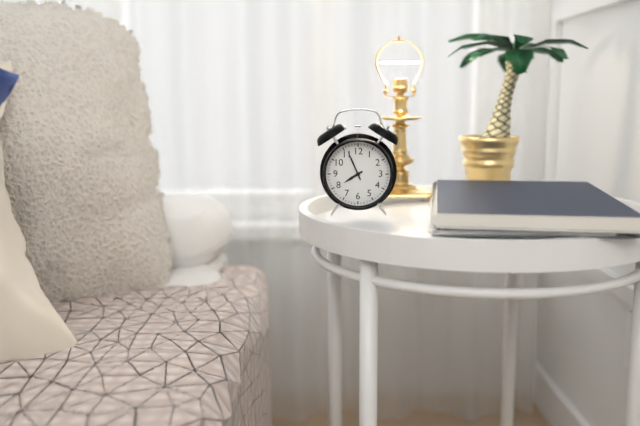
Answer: 7,56
